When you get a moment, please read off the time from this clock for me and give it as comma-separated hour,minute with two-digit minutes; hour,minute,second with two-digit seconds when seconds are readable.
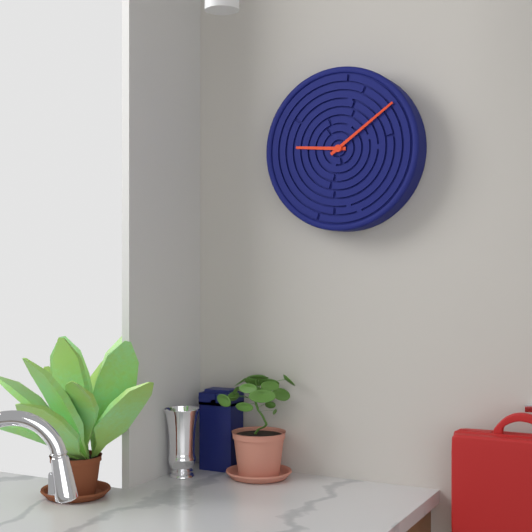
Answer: 9,09
